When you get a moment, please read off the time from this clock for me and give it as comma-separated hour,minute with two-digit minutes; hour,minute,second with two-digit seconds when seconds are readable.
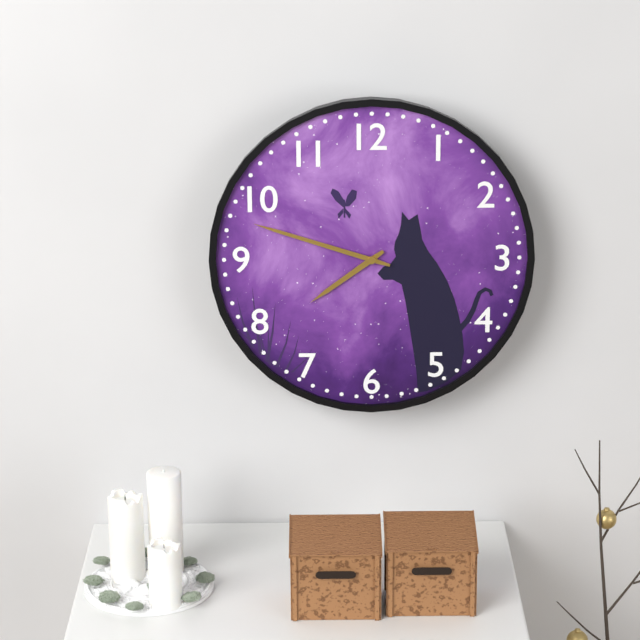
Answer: 7,48
